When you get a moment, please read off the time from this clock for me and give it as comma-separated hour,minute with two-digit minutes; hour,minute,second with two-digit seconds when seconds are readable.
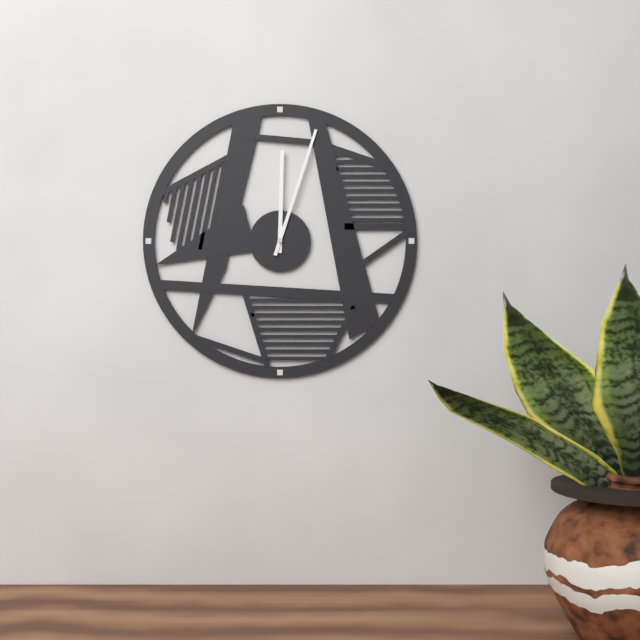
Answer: 12,03
